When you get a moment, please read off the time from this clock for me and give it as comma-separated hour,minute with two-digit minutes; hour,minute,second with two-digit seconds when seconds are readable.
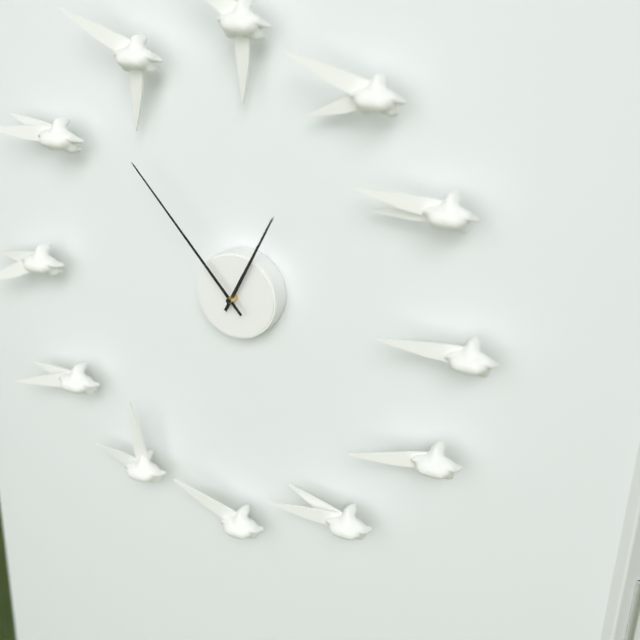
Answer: 12,53
